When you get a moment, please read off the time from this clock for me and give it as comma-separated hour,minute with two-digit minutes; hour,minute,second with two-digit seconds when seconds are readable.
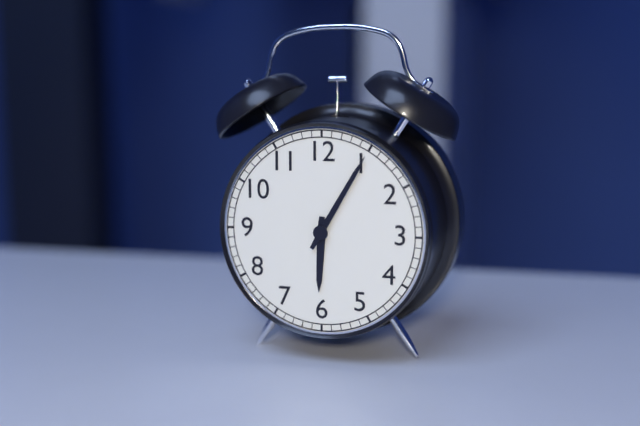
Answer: 6,05
